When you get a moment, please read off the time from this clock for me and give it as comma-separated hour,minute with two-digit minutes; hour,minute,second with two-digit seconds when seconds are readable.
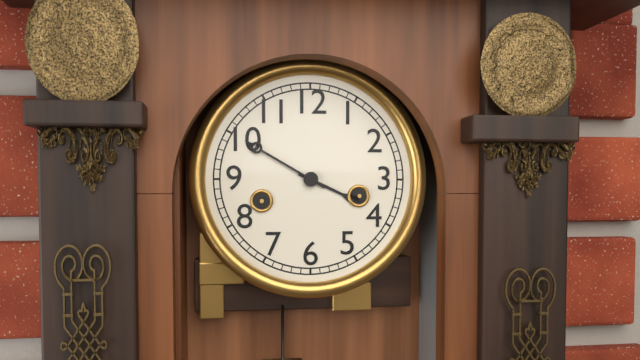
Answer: 3,50
